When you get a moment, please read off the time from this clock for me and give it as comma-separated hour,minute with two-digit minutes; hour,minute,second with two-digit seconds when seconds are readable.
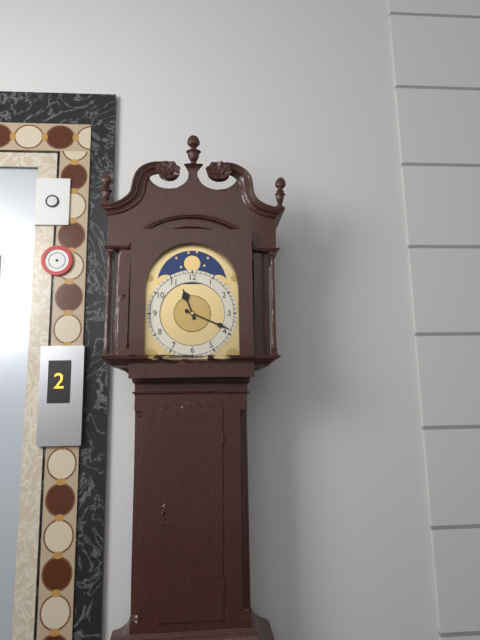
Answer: 11,19
